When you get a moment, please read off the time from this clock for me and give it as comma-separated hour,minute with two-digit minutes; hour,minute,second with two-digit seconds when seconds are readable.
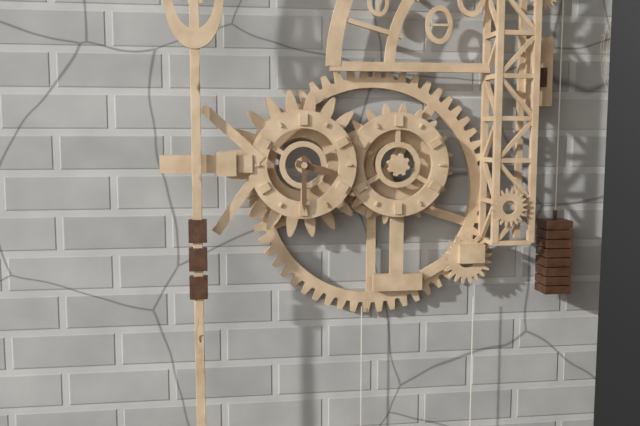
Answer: 3,30
